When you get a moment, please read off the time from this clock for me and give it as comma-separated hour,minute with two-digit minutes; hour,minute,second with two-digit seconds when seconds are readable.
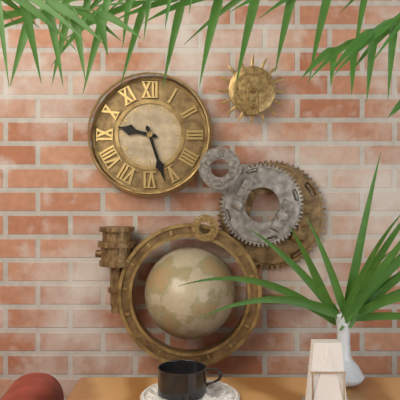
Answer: 9,27
